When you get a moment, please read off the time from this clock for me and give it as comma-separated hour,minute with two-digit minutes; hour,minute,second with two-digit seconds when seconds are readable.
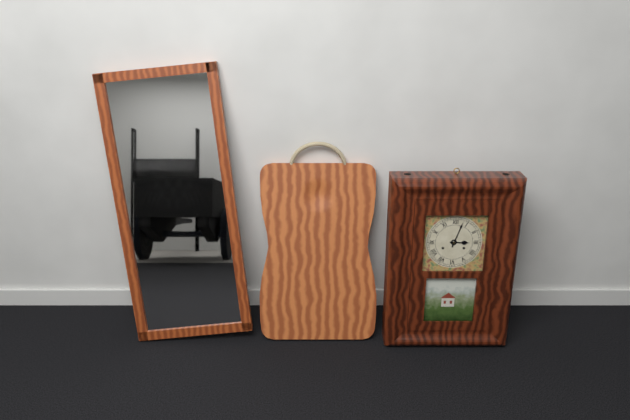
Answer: 3,03
